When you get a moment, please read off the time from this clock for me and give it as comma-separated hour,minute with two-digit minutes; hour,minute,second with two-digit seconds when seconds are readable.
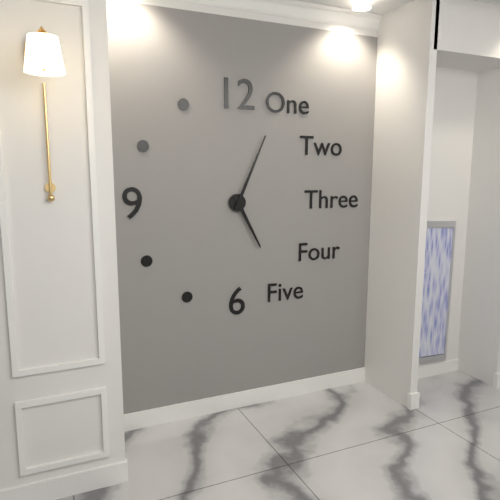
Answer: 5,04
